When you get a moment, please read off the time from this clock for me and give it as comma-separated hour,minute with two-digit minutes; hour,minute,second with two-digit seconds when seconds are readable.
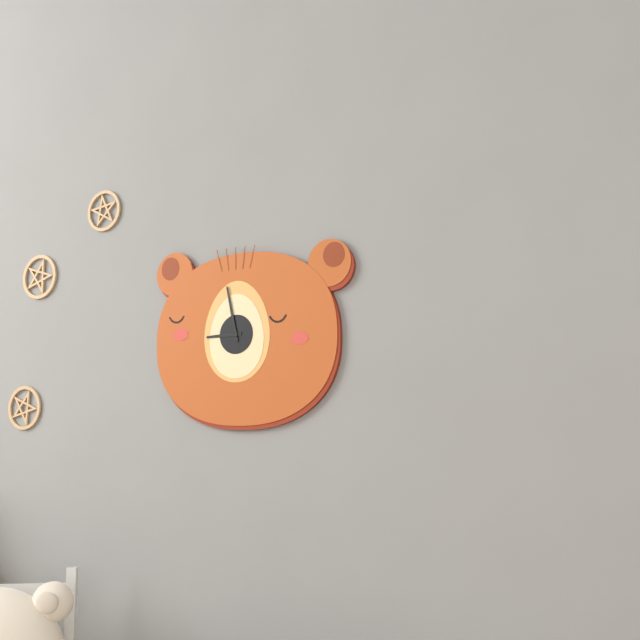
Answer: 8,58
